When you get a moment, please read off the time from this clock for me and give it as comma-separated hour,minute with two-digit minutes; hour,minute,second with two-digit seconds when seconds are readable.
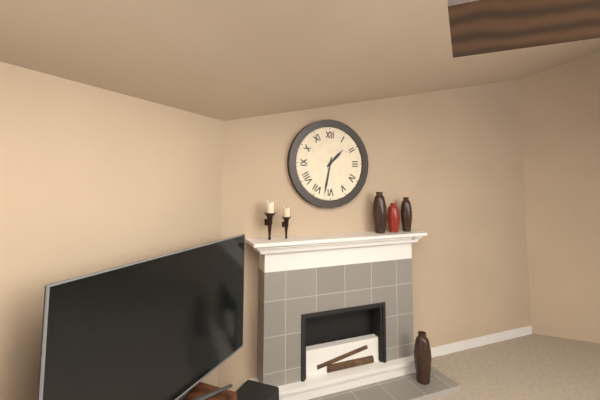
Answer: 1,32
